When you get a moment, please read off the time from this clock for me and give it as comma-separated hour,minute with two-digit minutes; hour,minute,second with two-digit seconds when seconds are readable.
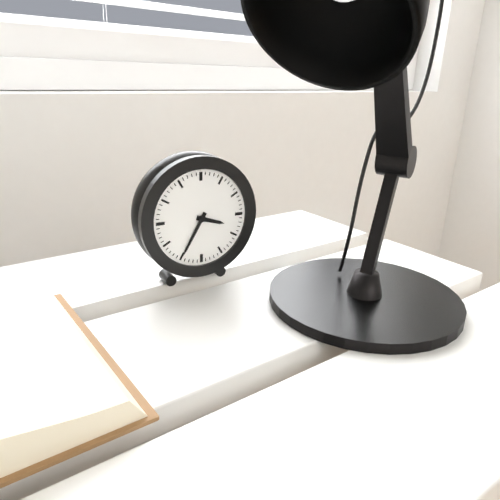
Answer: 3,35
